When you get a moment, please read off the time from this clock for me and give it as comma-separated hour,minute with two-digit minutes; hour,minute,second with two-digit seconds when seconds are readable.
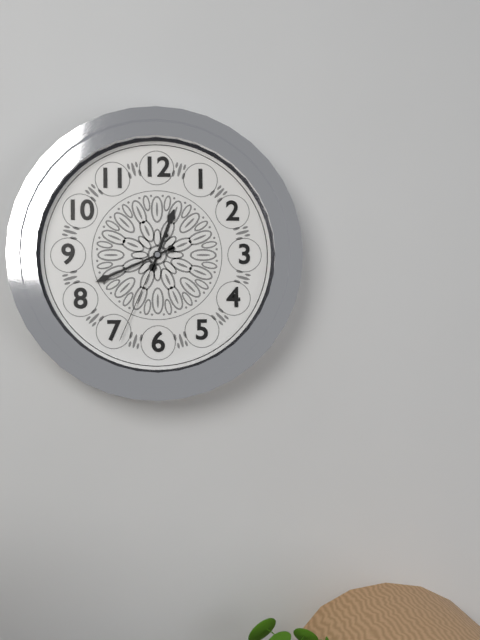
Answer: 12,41,34
